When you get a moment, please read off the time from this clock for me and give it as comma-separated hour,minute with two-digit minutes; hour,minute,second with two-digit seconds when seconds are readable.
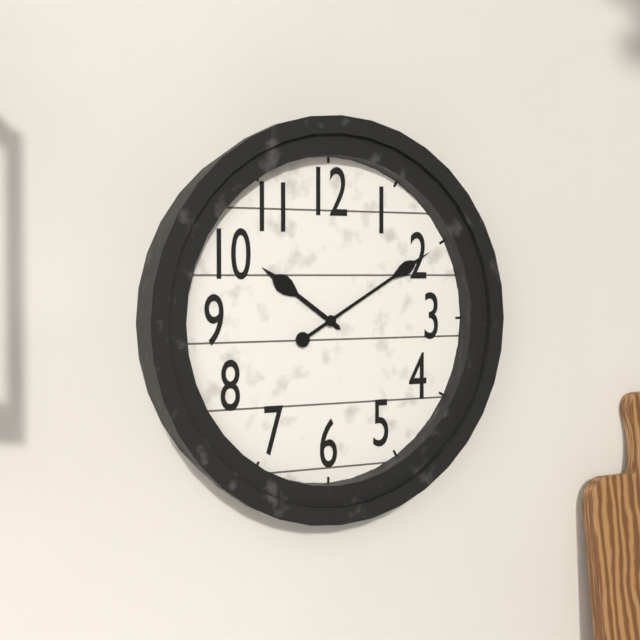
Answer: 10,10
